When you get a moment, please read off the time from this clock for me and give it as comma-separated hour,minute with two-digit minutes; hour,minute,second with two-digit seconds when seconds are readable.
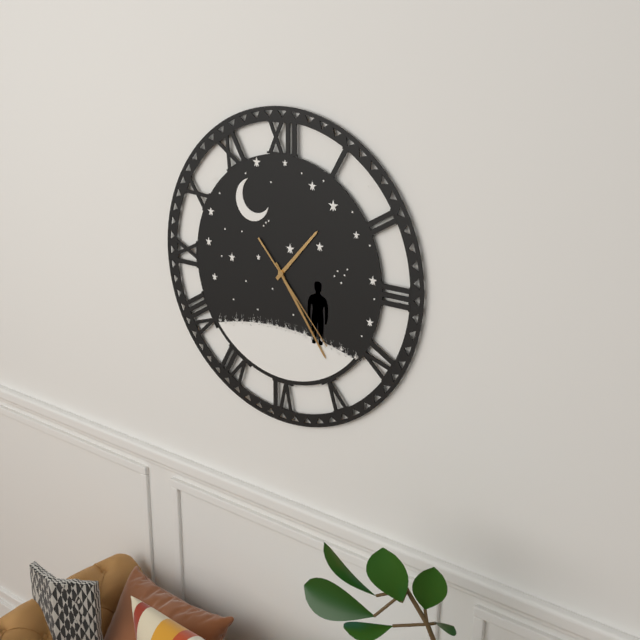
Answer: 1,24,23
